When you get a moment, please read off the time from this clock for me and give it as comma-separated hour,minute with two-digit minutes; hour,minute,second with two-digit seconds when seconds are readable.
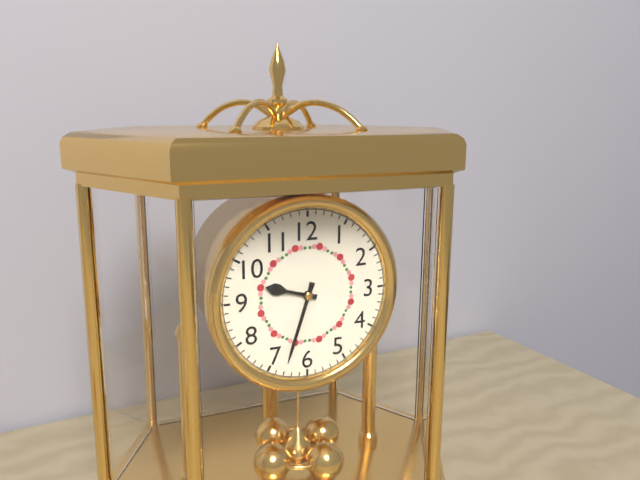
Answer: 9,33
